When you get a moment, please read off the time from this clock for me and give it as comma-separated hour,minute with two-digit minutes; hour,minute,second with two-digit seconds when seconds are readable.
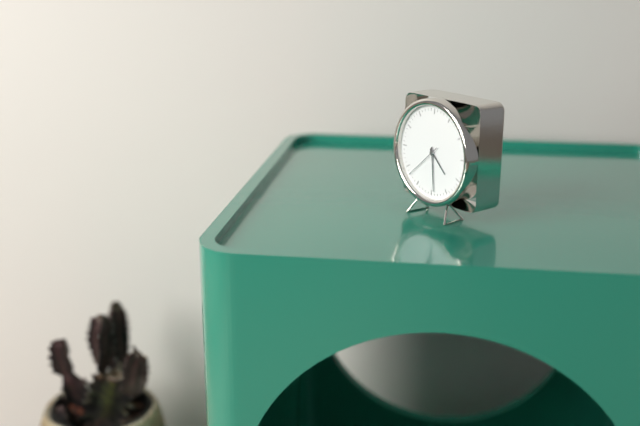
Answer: 4,29
